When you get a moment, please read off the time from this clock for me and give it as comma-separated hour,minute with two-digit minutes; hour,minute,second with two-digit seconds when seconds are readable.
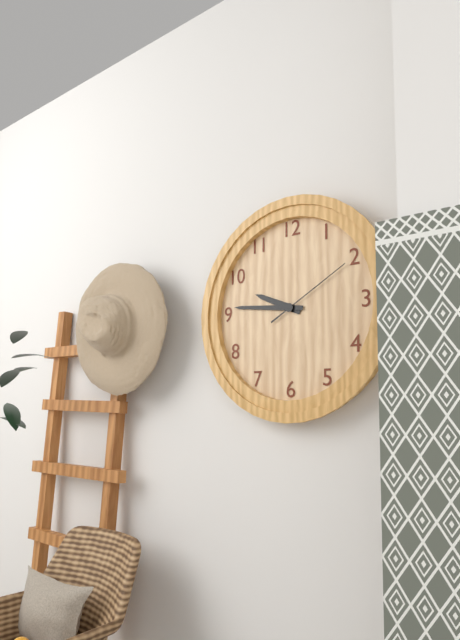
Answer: 9,46,10
